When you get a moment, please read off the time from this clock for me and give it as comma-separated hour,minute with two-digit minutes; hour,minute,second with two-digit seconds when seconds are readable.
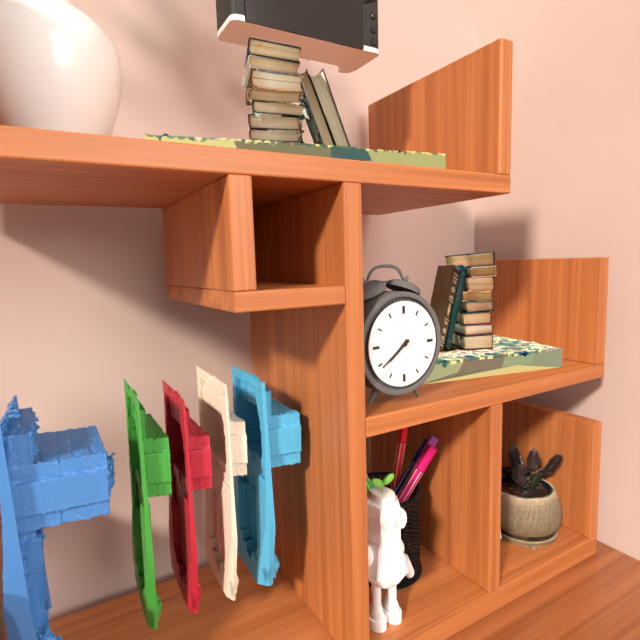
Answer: 7,39
